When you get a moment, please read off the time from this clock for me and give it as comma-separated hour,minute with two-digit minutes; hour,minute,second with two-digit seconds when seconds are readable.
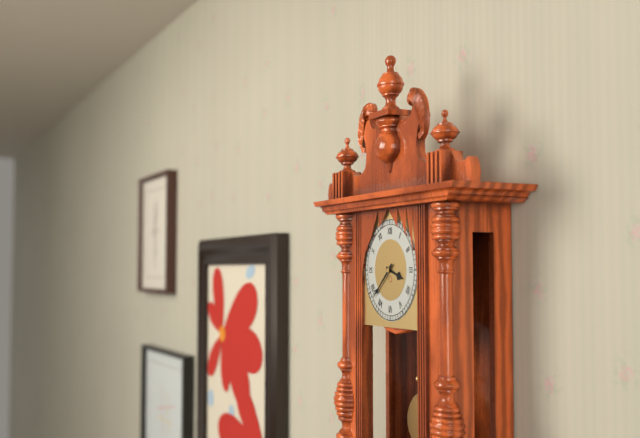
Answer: 3,38
